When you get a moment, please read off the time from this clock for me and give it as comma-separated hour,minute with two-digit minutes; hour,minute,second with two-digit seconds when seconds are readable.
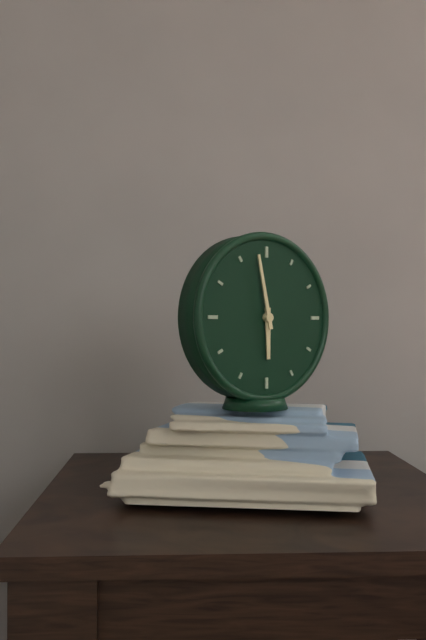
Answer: 5,58
